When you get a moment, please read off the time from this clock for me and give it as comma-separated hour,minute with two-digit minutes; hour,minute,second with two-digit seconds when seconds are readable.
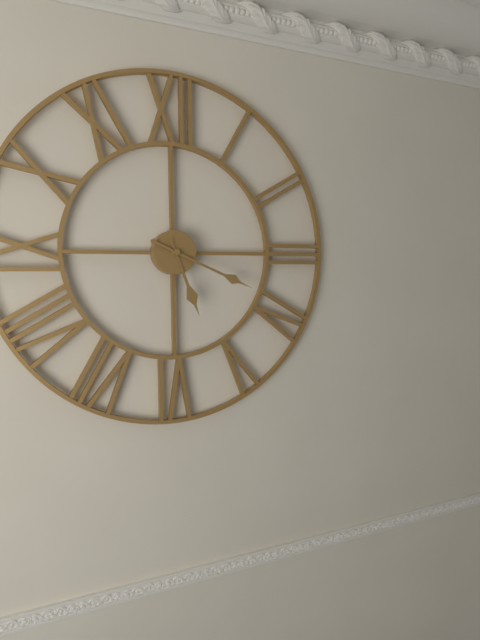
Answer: 5,19
